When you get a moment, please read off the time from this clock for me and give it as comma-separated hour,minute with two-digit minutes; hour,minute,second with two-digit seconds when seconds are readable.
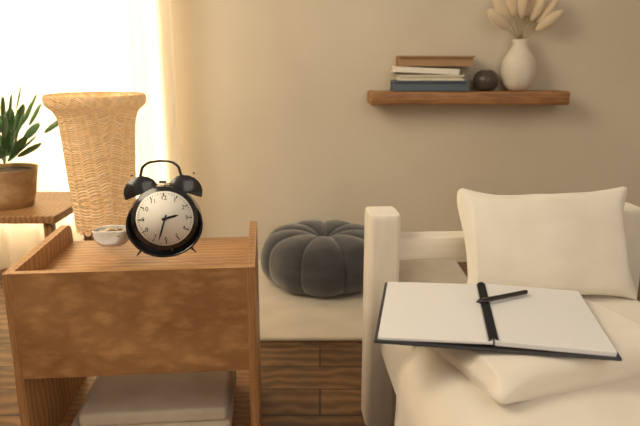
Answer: 2,33
